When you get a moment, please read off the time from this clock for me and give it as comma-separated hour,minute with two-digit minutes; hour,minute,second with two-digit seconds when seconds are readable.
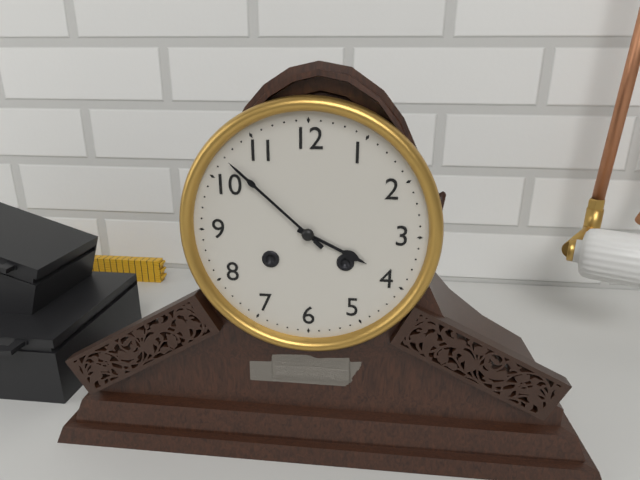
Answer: 3,52
